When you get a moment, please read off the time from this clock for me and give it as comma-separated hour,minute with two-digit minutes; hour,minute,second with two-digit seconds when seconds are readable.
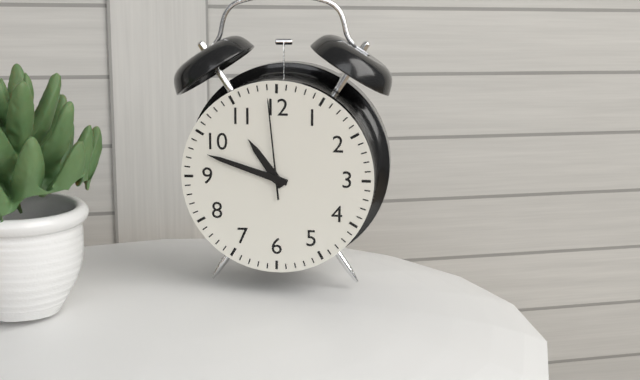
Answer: 10,48,59
